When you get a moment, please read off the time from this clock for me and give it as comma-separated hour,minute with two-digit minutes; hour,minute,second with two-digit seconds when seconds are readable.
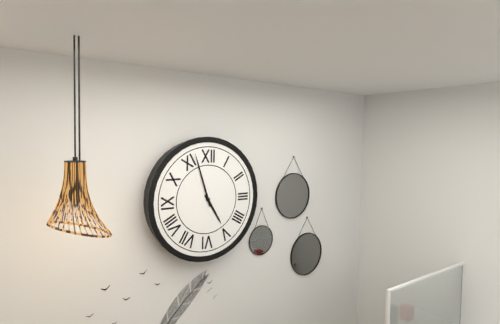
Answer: 4,57
